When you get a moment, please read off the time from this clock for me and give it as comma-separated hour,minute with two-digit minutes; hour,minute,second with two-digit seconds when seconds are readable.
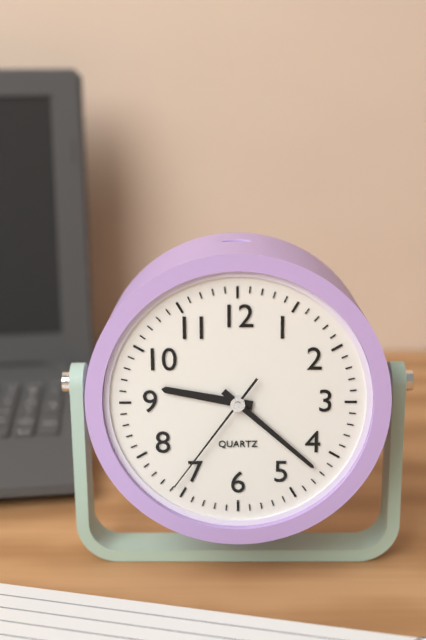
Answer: 9,22,36
